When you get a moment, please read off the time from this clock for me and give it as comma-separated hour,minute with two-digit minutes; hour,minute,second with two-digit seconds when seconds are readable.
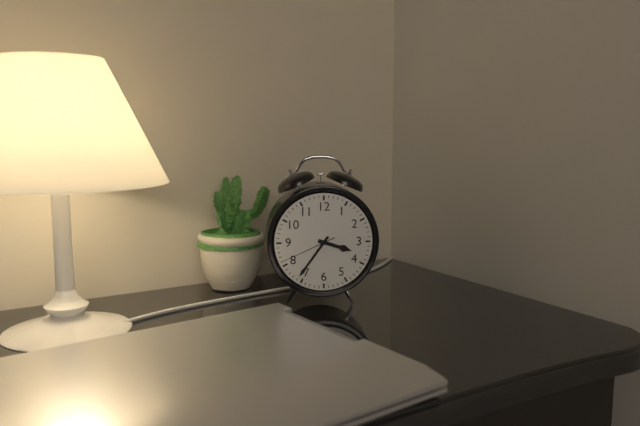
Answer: 3,36,41
